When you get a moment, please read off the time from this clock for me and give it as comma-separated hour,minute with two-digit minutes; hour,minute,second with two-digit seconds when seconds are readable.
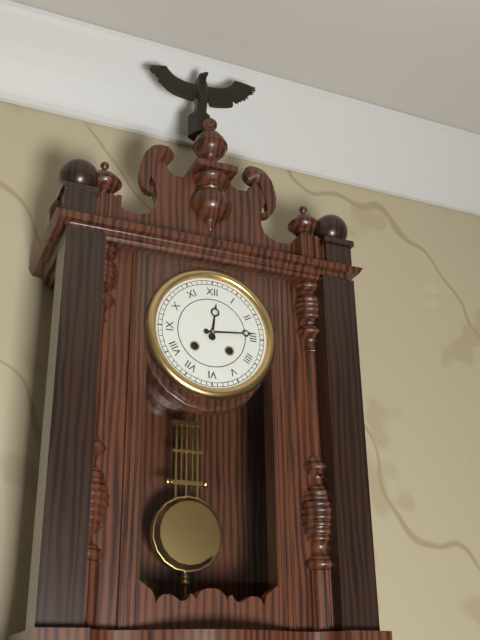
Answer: 12,14
